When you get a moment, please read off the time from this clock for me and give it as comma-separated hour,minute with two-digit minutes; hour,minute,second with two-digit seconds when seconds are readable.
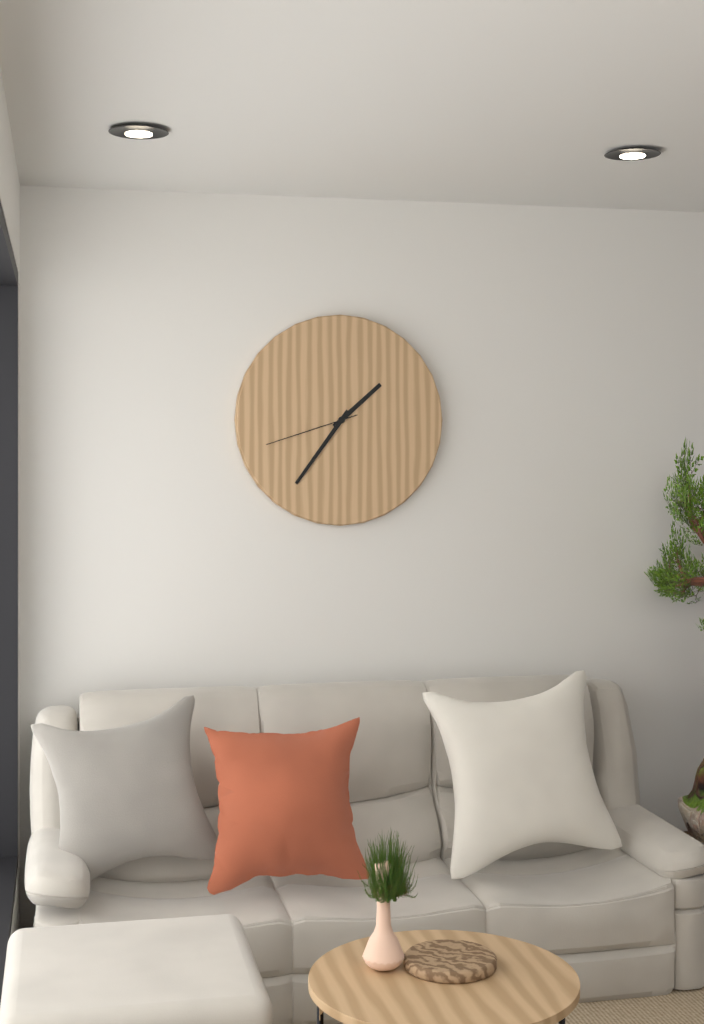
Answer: 1,36,42
